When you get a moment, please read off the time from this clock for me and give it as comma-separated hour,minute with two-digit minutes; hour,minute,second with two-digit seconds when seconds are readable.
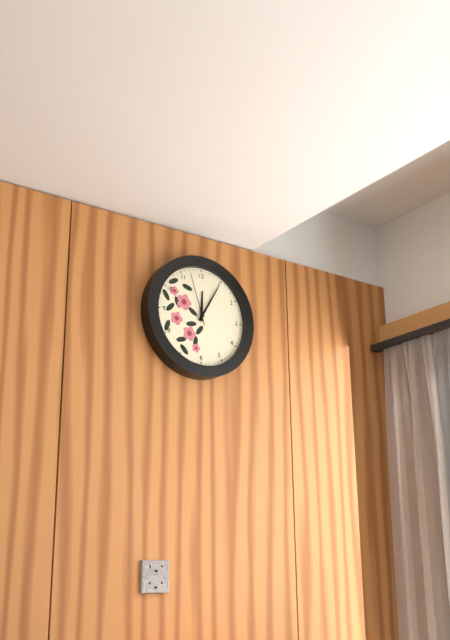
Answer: 12,05,57
